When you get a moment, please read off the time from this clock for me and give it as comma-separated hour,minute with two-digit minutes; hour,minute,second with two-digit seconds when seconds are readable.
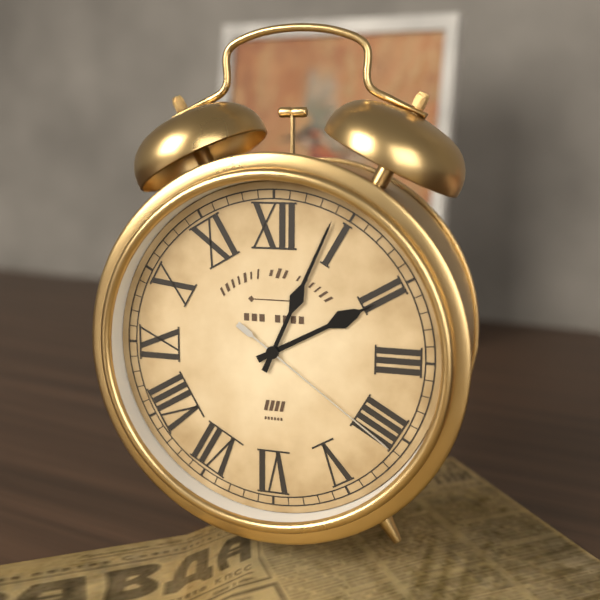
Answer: 2,04,21
